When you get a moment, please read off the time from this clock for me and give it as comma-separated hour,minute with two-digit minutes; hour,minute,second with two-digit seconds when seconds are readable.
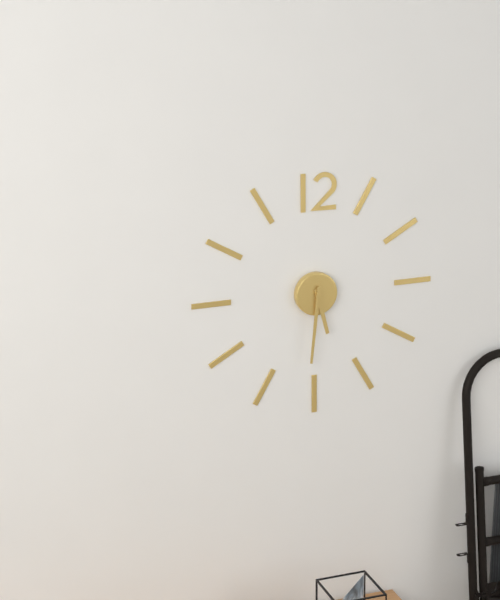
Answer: 5,31
